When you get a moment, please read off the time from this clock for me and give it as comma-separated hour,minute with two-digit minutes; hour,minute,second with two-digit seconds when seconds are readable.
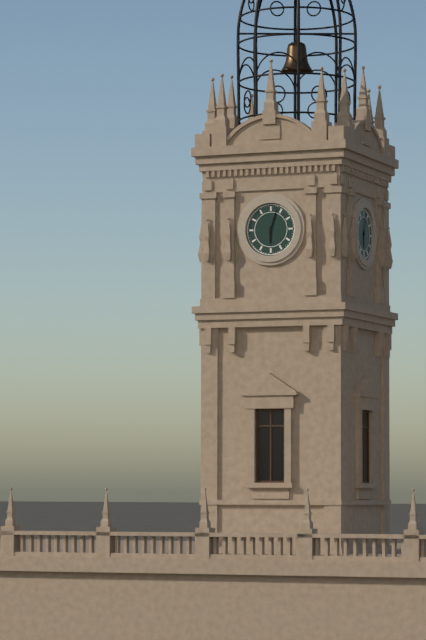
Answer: 6,03
